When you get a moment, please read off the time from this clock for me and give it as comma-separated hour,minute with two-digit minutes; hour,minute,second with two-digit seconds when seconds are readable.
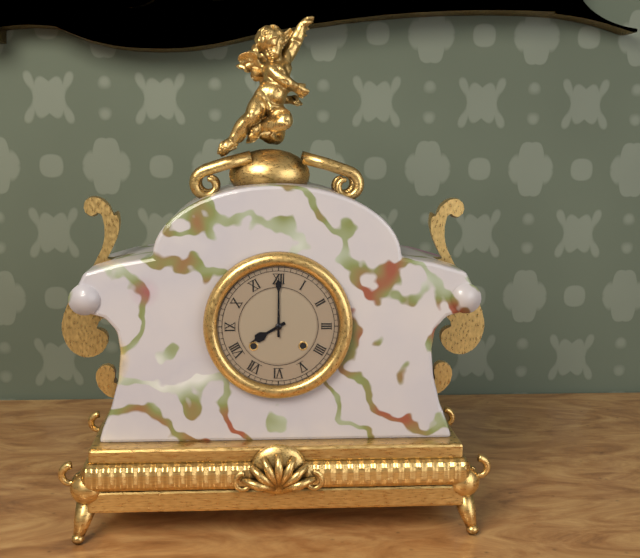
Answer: 8,00
